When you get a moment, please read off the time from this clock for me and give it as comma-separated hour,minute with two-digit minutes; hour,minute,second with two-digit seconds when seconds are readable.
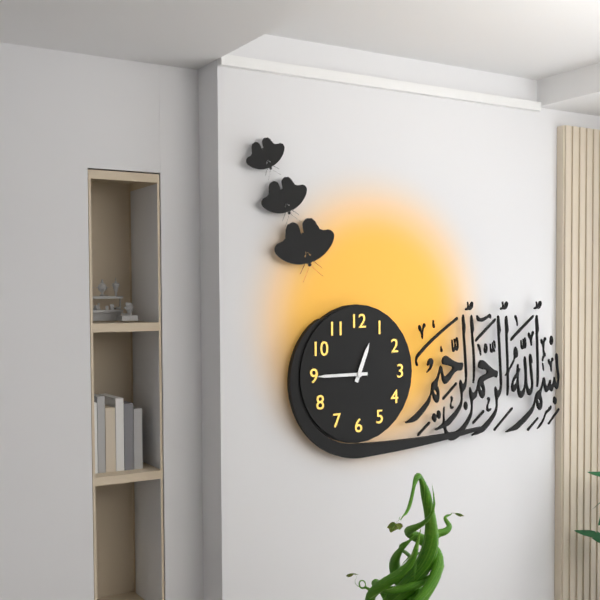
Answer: 12,45
